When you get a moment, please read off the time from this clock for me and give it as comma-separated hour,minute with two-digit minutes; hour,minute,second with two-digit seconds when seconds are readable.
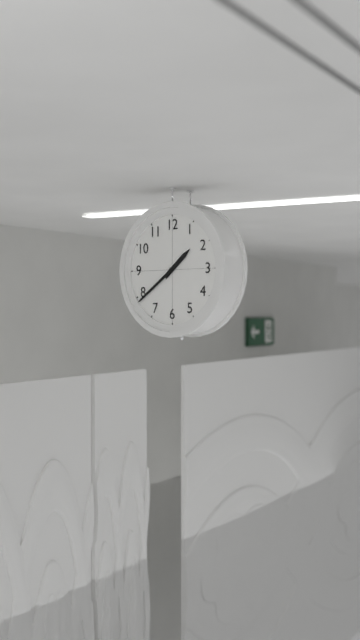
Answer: 1,39
